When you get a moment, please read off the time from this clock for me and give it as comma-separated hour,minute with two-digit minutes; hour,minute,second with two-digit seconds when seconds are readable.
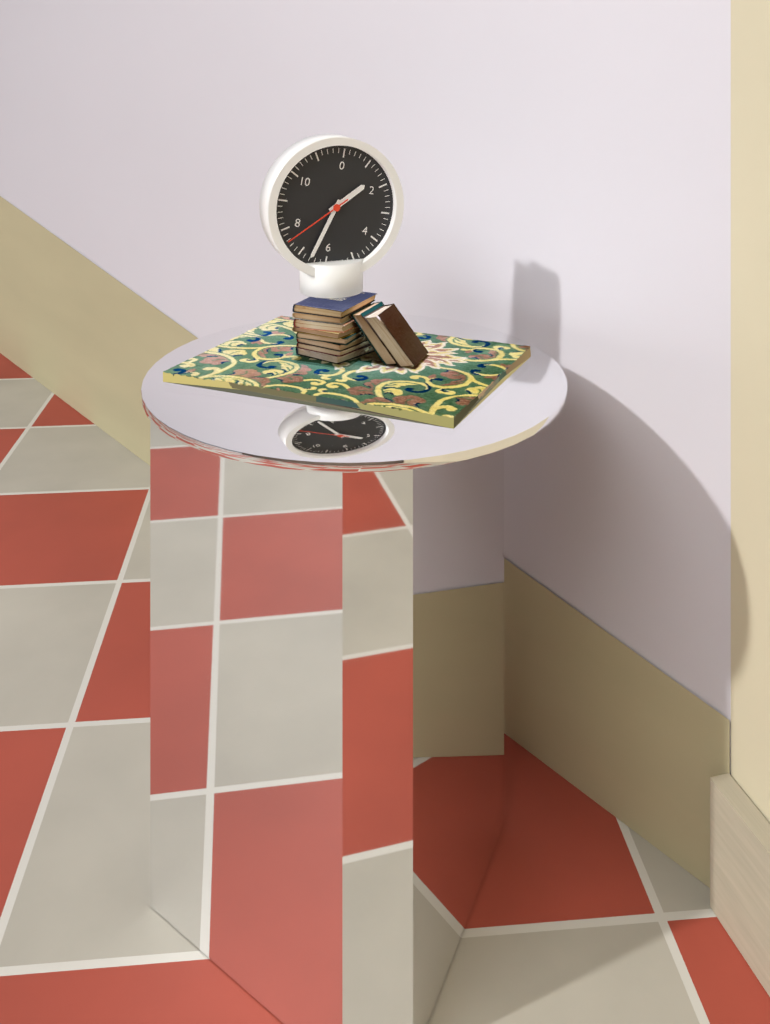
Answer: 1,33,38
